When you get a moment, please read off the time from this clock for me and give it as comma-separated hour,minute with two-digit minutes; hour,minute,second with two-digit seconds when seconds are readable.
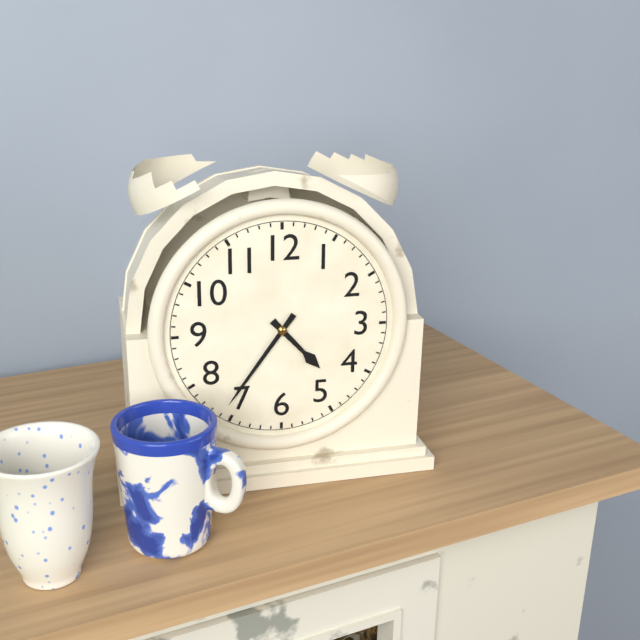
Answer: 4,36
